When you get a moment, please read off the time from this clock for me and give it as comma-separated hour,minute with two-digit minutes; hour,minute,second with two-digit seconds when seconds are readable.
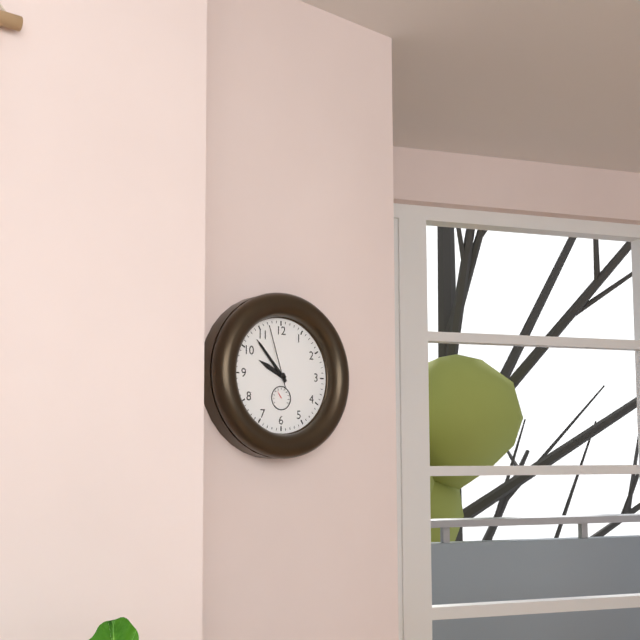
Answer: 9,53,57
